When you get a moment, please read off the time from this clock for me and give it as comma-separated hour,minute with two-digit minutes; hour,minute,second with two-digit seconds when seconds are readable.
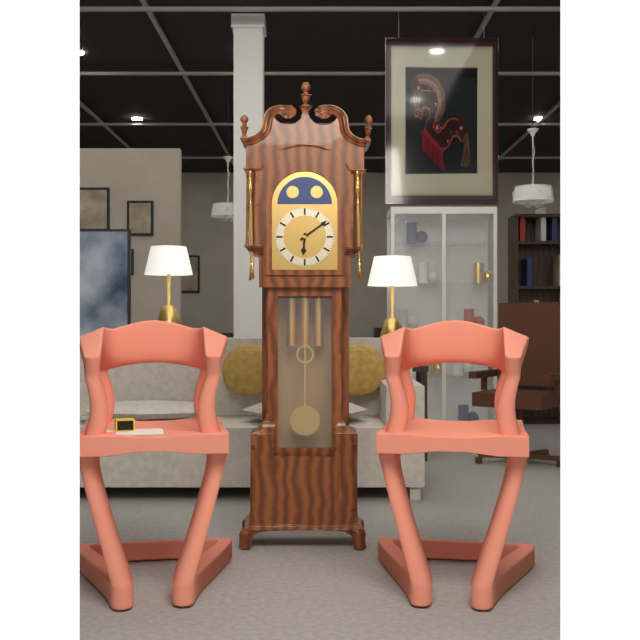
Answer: 6,09
